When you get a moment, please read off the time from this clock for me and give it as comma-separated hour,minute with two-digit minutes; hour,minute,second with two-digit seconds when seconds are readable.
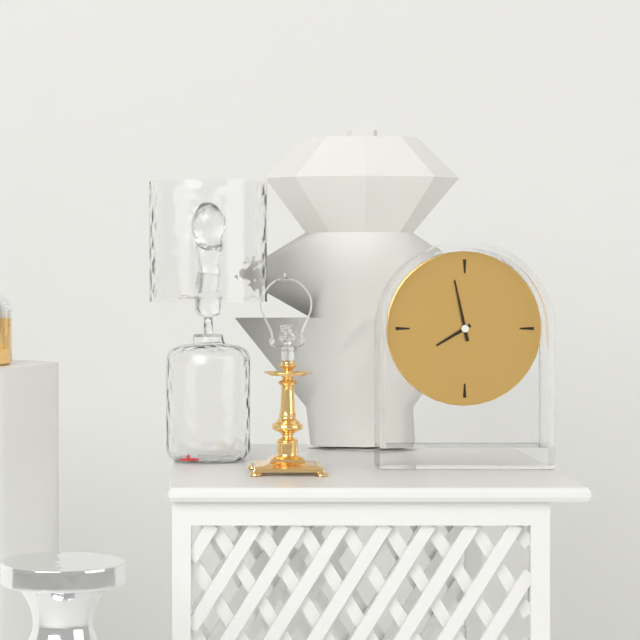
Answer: 7,58
